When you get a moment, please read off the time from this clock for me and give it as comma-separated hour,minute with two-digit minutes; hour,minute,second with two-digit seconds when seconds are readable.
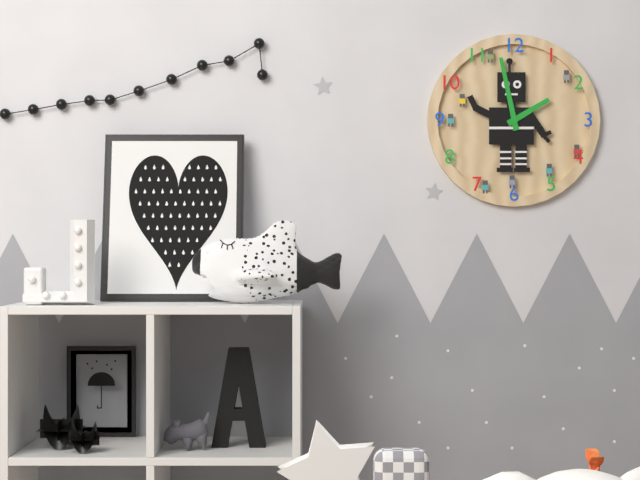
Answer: 1,58
